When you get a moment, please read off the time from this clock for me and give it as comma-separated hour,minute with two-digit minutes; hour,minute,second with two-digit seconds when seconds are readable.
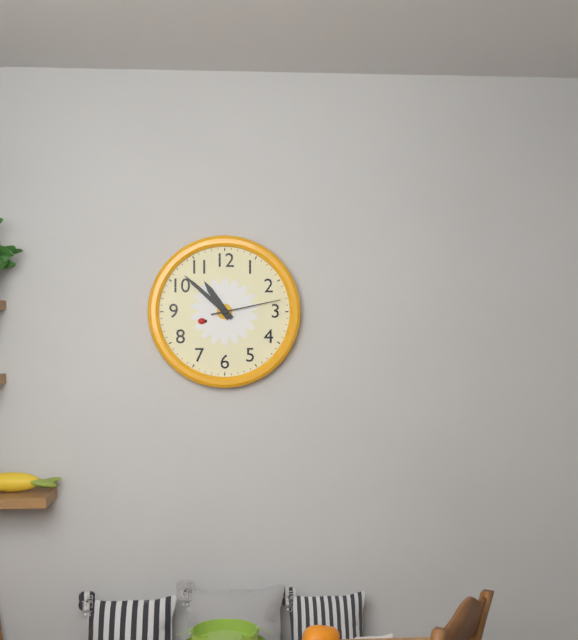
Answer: 10,52,13
